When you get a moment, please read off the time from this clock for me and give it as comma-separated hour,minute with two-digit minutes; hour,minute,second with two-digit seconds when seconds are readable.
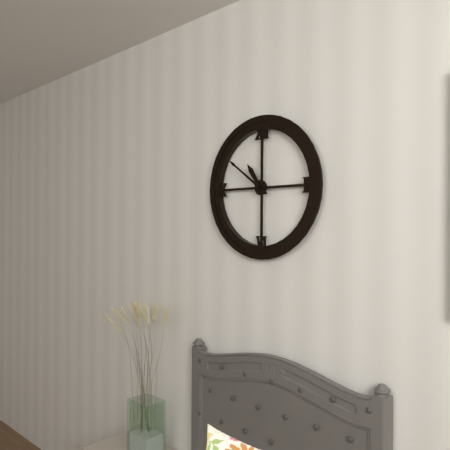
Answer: 10,51
